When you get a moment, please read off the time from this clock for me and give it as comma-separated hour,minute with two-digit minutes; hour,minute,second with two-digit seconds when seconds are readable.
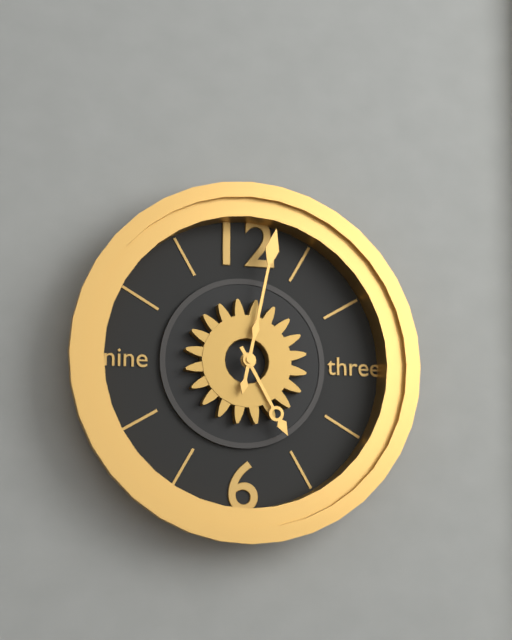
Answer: 5,02
